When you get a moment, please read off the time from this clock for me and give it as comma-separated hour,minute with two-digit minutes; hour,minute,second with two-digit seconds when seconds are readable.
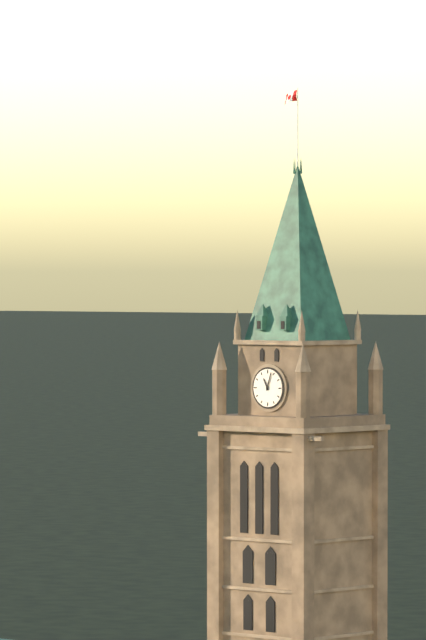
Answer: 11,03
